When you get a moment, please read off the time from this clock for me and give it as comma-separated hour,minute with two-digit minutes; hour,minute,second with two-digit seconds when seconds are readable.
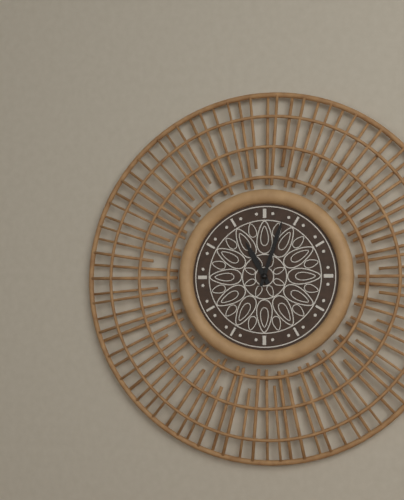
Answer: 11,03
